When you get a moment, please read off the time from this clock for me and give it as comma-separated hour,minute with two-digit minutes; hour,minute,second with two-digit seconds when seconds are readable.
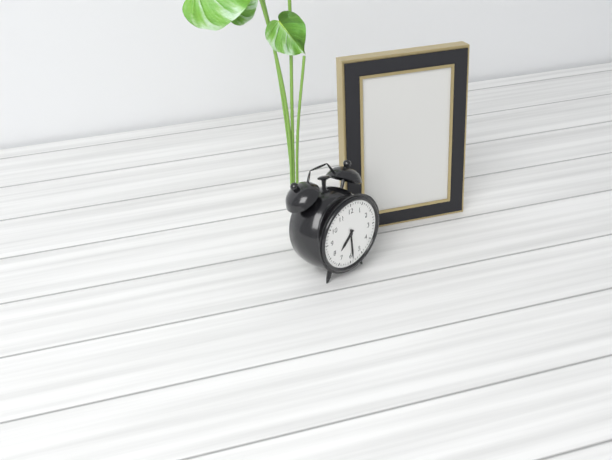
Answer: 7,29
